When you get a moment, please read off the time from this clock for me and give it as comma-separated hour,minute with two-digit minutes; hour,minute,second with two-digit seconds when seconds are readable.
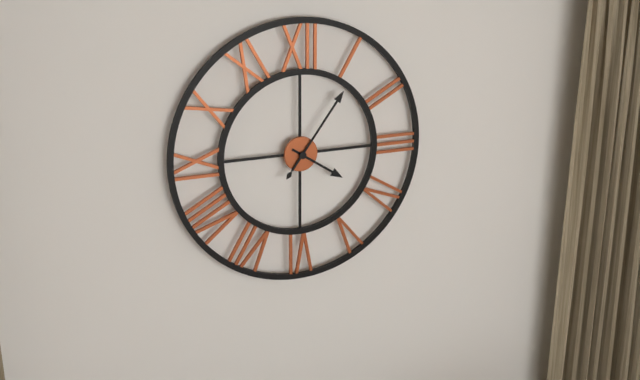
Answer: 4,06
